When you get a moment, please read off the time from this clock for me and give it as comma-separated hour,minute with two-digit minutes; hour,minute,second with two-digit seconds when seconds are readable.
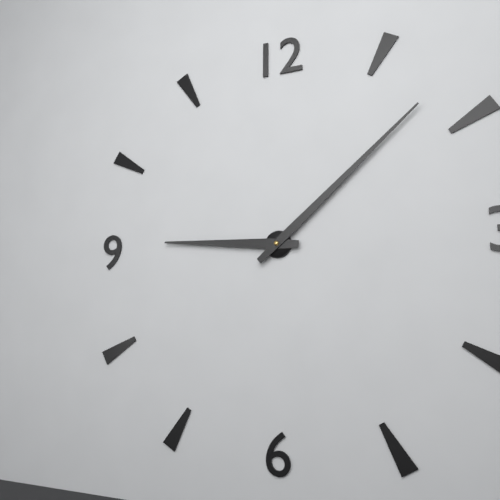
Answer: 9,08
